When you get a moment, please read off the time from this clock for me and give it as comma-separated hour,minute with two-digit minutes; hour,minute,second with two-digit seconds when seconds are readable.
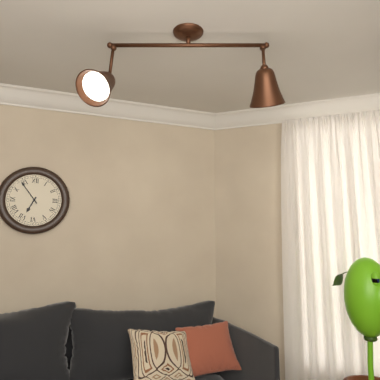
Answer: 6,54
